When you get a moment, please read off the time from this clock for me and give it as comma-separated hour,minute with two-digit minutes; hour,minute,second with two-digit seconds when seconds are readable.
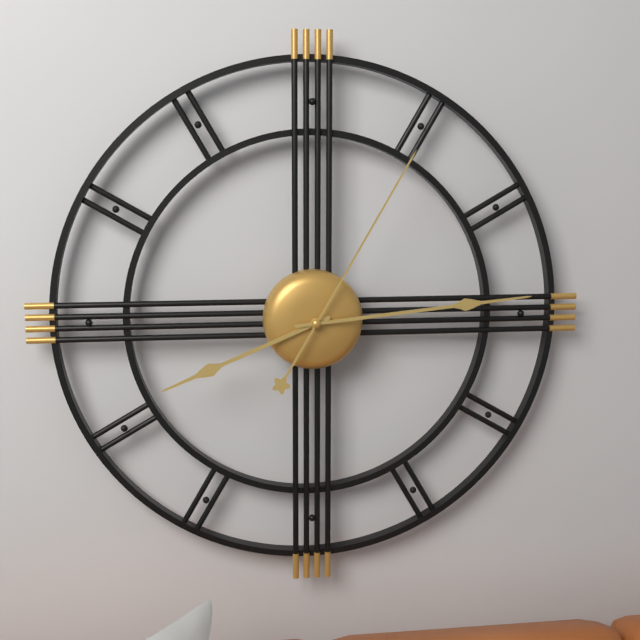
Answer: 8,14,05
